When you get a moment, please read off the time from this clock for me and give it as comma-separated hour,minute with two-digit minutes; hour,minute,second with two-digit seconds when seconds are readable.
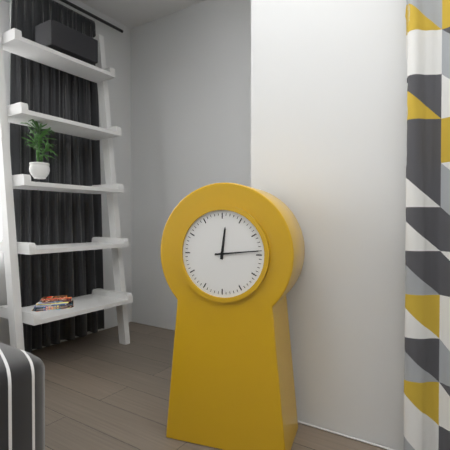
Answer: 12,14
